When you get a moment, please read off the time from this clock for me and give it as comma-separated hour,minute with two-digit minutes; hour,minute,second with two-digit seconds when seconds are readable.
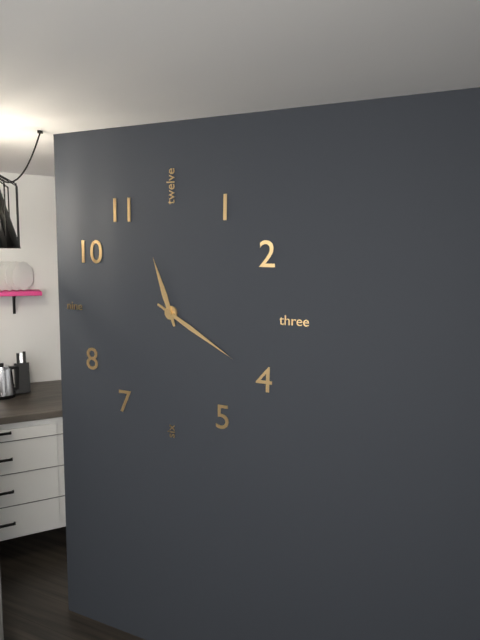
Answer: 11,20
